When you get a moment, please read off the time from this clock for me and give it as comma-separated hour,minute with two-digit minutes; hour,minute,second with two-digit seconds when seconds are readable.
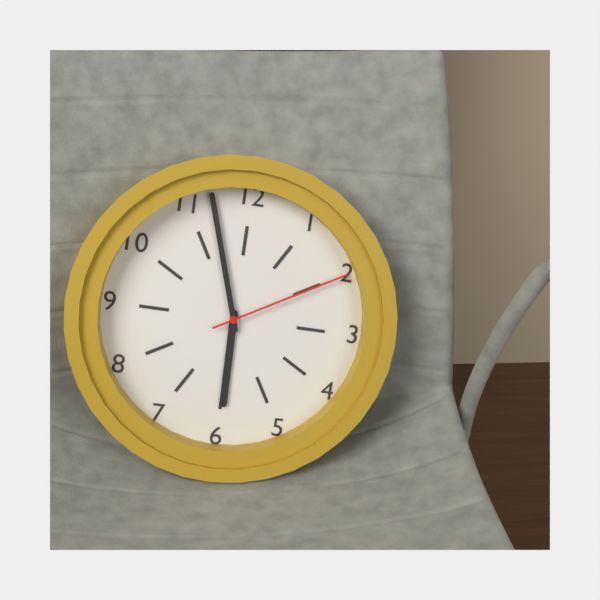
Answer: 5,57,10
